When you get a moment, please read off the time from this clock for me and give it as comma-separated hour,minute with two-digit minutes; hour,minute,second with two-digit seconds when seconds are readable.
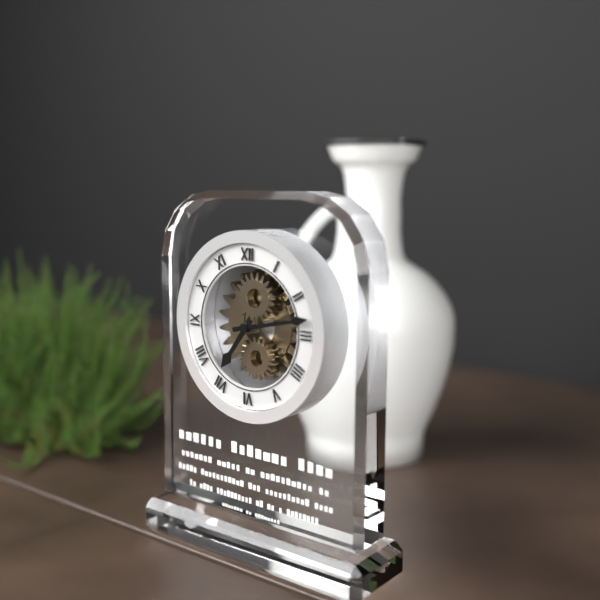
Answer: 7,13
